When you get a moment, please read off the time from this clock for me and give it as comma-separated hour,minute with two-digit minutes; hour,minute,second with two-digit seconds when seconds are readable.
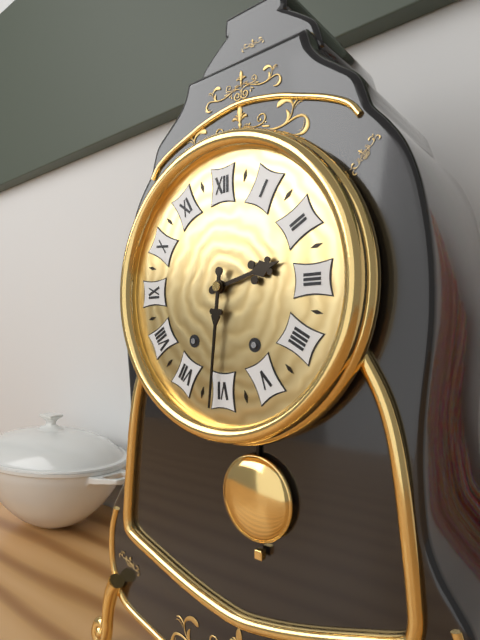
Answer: 2,31
